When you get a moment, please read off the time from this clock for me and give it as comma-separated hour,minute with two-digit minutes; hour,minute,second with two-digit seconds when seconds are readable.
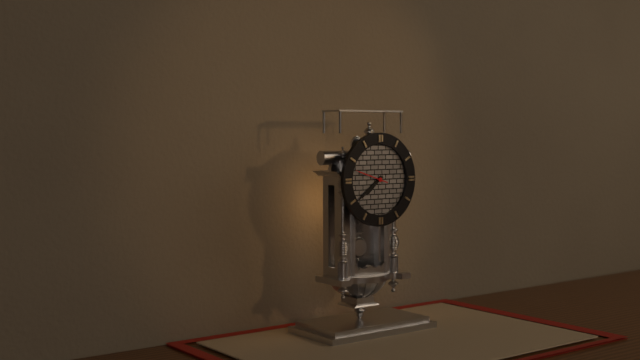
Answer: 7,39
